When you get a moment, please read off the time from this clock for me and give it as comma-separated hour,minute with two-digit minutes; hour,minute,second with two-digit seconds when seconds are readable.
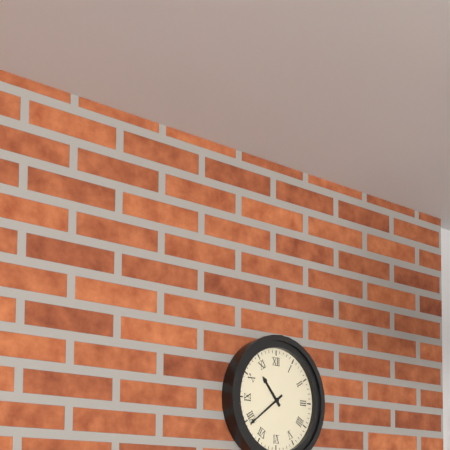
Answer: 10,39
